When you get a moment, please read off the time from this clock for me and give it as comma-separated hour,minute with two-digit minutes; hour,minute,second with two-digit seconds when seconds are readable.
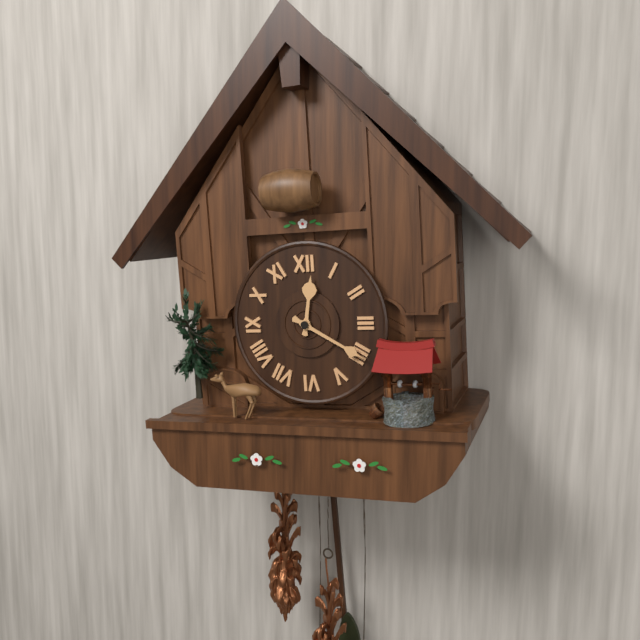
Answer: 12,20
